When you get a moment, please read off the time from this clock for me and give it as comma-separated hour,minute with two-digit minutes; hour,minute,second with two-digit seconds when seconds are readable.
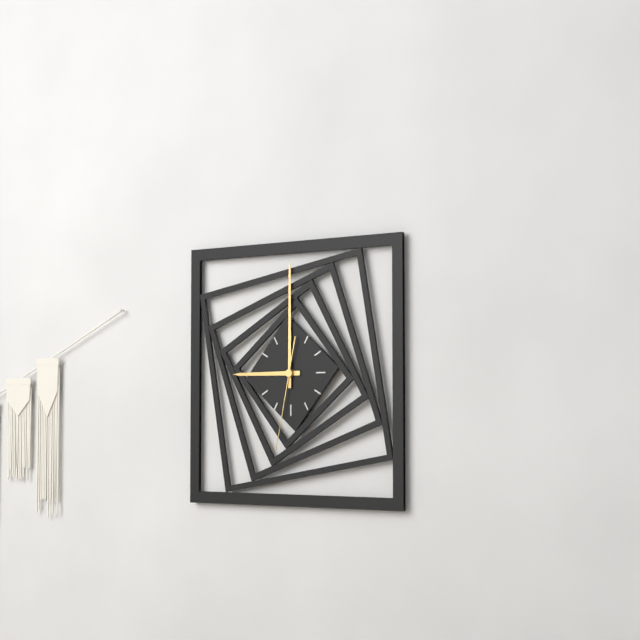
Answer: 9,00,32
